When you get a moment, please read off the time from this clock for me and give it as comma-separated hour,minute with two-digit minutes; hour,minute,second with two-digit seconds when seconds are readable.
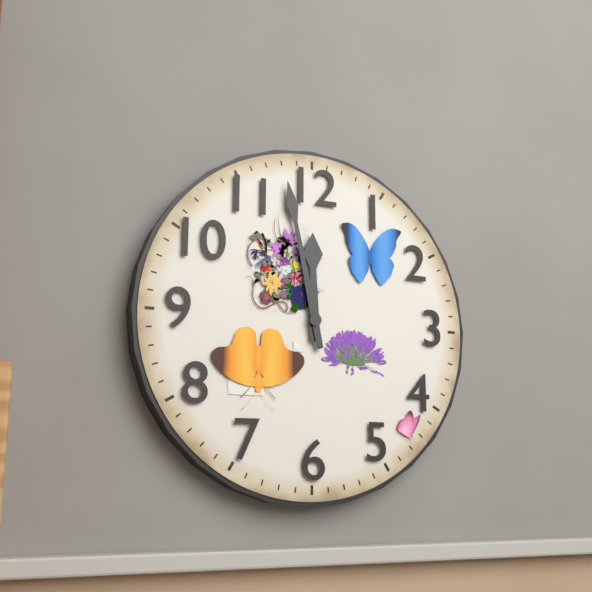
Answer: 11,58
